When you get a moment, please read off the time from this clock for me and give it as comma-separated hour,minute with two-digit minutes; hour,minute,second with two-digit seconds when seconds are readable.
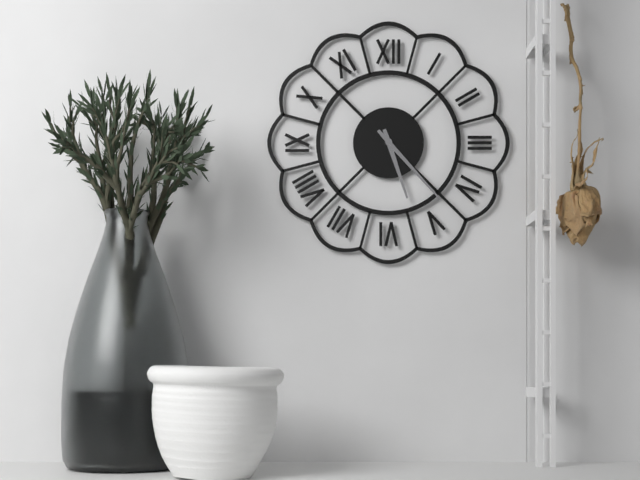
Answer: 5,23
